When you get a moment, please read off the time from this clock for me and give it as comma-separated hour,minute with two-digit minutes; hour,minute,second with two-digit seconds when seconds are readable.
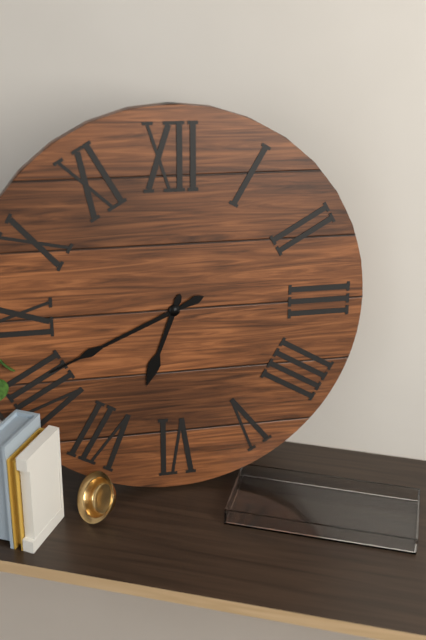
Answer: 6,41
